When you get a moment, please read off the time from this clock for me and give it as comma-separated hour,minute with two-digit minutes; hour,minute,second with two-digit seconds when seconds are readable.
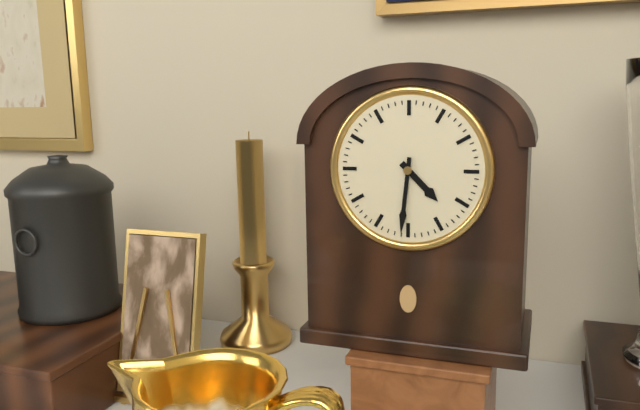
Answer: 4,31
